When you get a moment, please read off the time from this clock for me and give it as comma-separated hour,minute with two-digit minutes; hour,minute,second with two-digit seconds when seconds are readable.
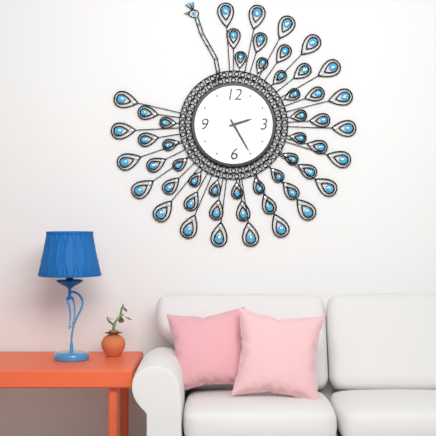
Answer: 2,25
